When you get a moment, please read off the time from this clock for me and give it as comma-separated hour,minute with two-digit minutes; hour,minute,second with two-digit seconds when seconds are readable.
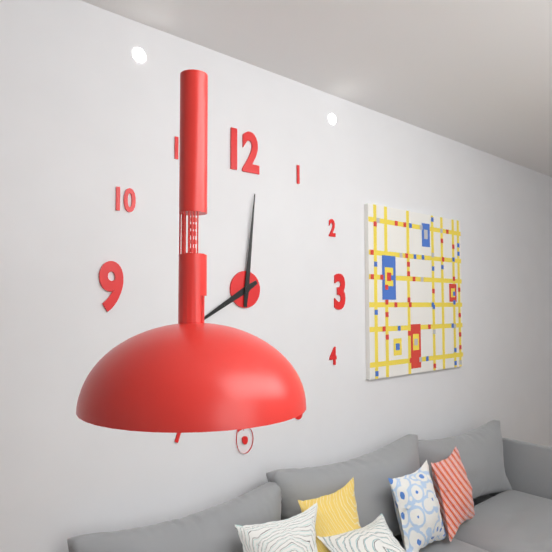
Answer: 8,01
